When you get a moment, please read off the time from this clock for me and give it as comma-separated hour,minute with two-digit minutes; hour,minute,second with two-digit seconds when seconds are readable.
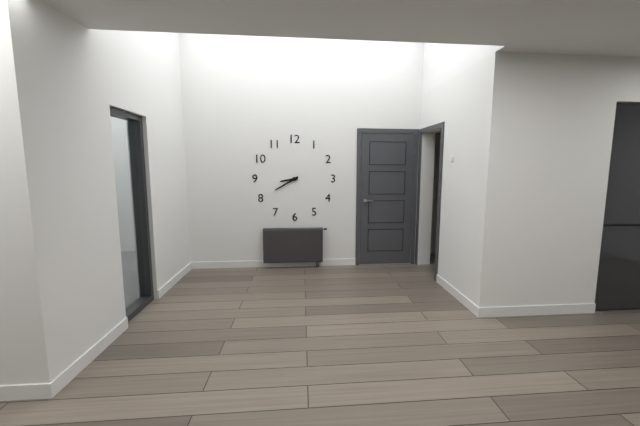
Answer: 8,40
